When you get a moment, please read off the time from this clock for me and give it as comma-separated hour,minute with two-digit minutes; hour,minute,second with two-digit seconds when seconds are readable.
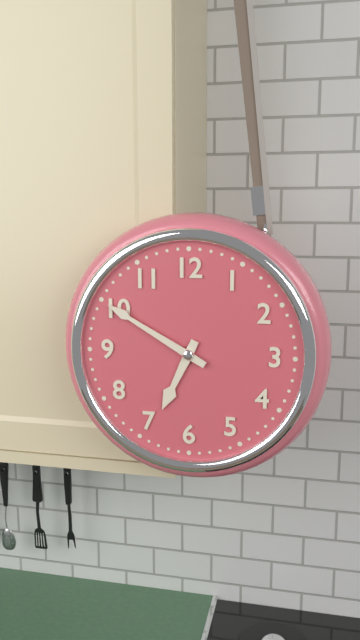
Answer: 6,50
